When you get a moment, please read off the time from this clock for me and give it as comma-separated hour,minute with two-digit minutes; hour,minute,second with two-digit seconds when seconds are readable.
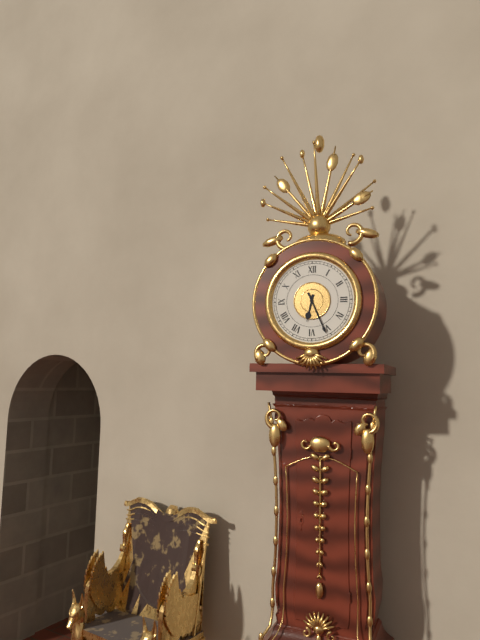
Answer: 6,26
